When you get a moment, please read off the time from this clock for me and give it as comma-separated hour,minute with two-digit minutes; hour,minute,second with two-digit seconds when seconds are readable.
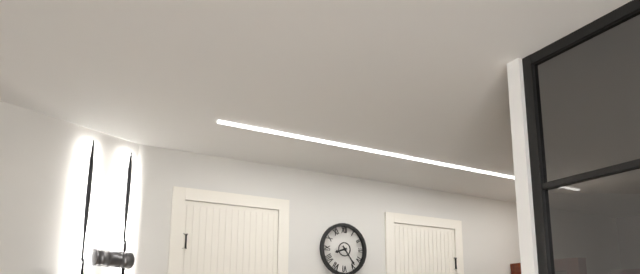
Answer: 8,24
